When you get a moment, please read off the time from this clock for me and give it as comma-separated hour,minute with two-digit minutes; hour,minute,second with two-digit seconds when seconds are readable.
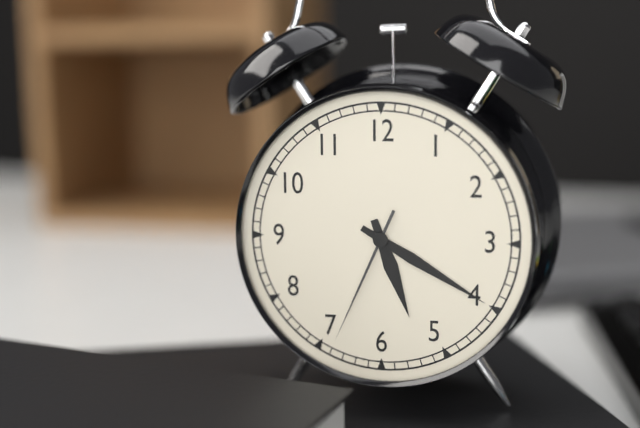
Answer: 5,20,34
